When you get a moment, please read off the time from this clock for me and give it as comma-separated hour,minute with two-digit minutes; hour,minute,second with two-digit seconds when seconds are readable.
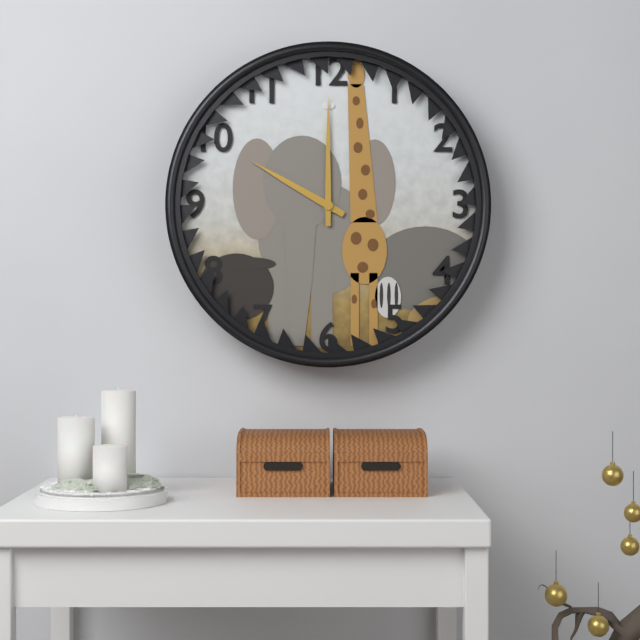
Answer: 10,00
